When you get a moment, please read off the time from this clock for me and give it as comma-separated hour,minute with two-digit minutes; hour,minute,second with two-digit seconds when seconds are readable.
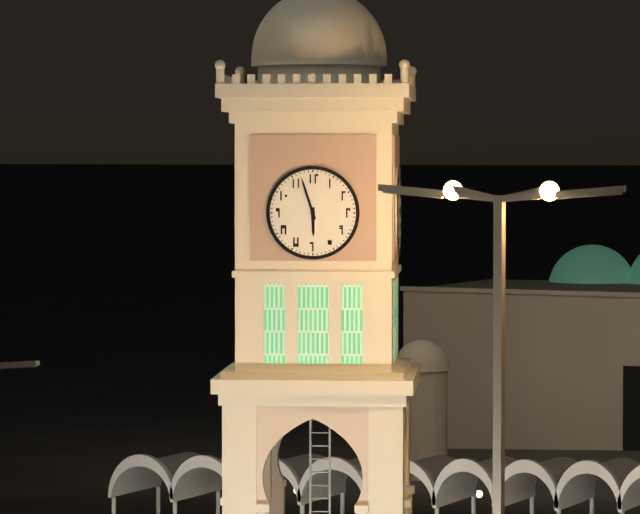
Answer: 5,57
